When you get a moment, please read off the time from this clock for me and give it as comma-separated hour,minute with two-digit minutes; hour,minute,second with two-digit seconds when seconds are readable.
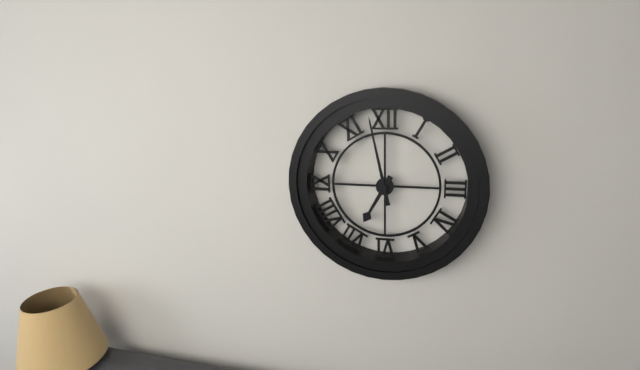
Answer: 6,58
